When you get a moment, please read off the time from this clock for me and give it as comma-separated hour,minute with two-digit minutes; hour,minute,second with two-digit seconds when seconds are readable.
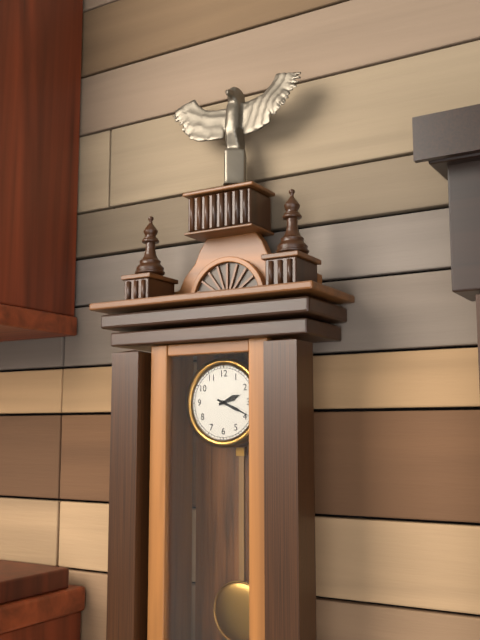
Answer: 2,19
